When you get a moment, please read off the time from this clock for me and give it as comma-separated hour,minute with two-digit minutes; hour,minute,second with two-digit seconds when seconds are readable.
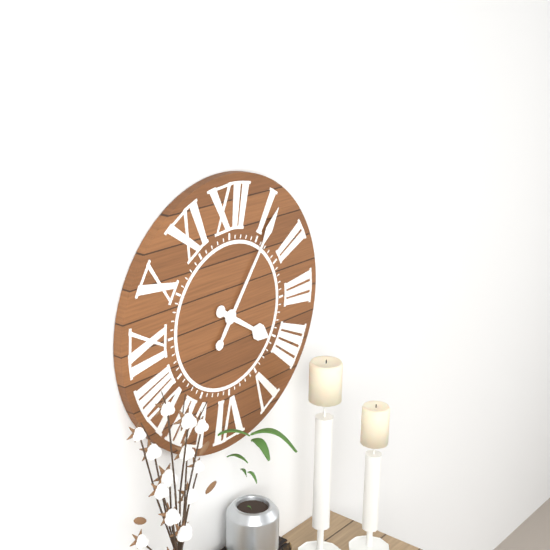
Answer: 4,06
